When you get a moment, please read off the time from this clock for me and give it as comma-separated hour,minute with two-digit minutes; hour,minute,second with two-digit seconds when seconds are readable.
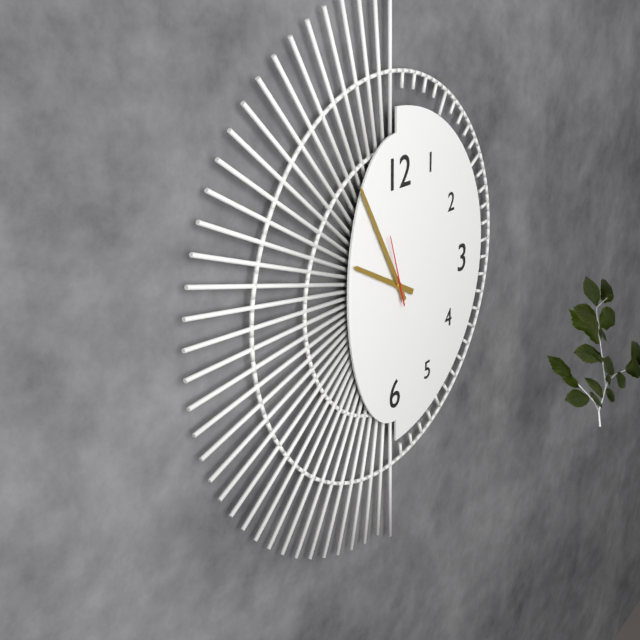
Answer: 9,55,57
